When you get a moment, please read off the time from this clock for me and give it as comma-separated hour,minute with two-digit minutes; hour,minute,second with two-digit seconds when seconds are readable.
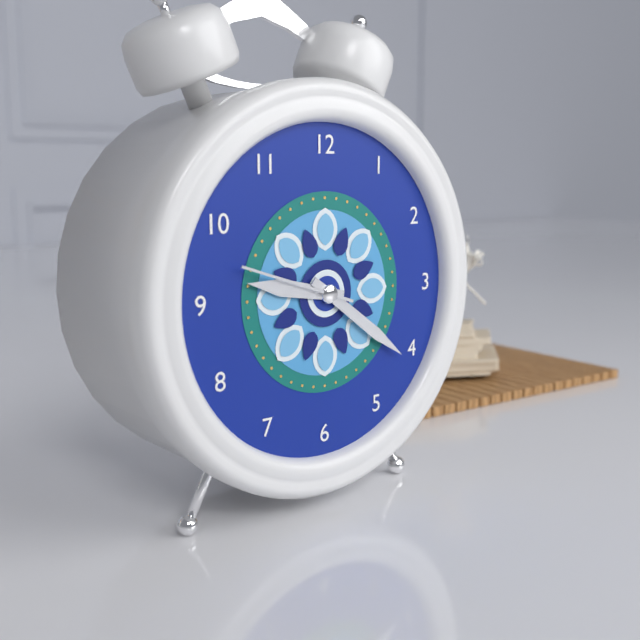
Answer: 9,21,48
